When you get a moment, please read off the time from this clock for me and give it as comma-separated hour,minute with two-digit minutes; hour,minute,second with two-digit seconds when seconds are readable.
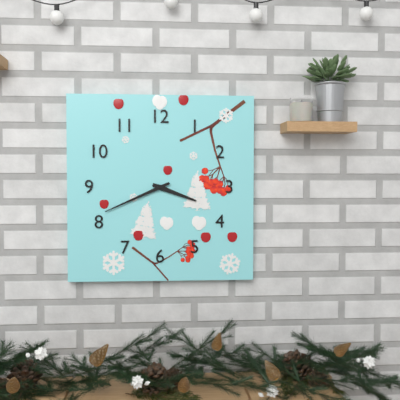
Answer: 3,41
